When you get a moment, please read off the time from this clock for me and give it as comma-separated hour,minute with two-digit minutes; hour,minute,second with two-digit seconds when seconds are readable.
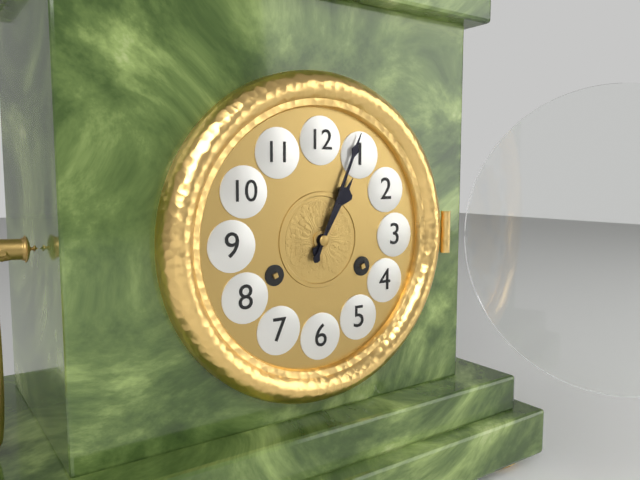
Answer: 1,04
